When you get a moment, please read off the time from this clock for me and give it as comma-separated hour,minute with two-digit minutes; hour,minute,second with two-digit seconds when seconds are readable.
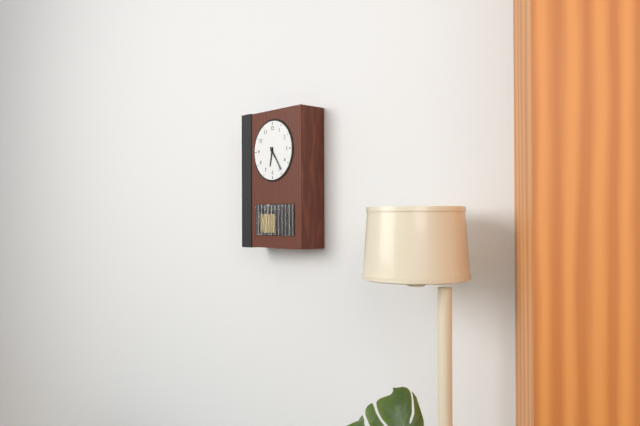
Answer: 6,24
